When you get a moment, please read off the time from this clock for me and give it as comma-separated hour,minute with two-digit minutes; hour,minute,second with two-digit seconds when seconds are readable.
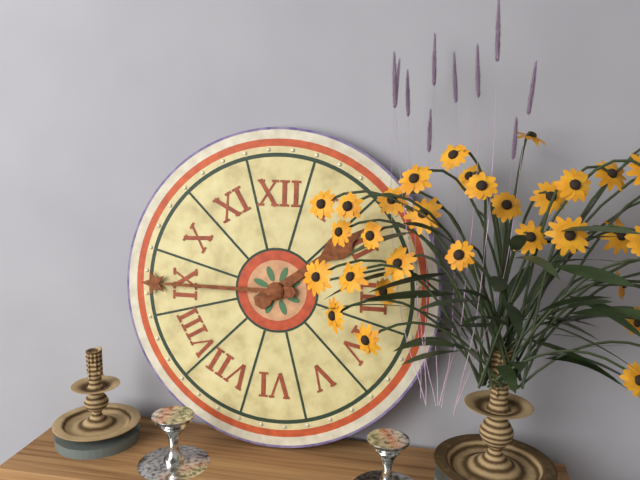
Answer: 1,45
